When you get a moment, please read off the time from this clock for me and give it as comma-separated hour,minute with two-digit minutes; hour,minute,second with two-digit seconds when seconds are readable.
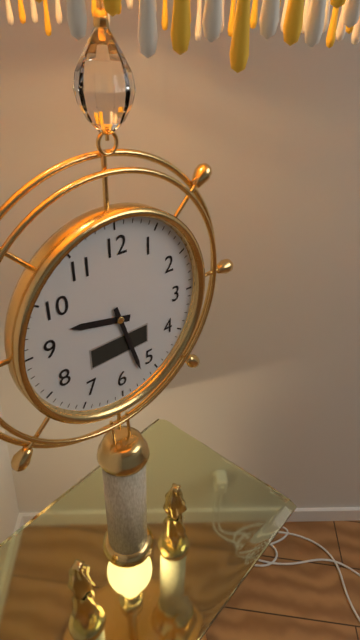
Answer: 9,27
